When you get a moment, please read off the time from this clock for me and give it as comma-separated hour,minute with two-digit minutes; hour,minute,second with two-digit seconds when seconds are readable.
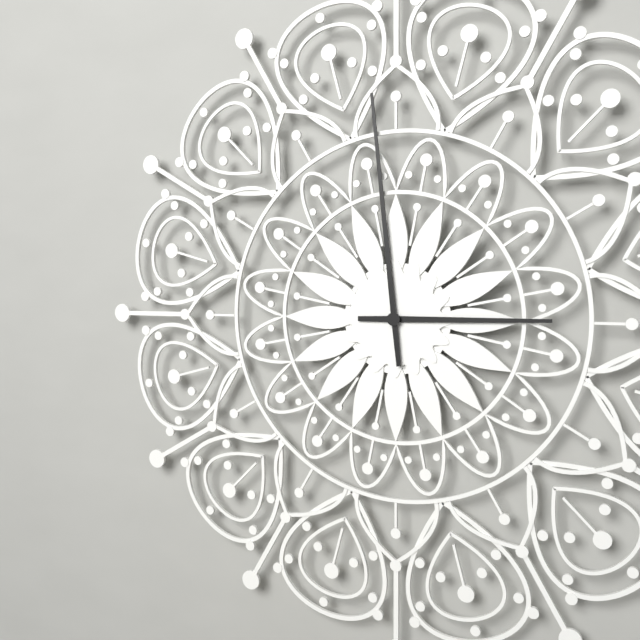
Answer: 2,59
